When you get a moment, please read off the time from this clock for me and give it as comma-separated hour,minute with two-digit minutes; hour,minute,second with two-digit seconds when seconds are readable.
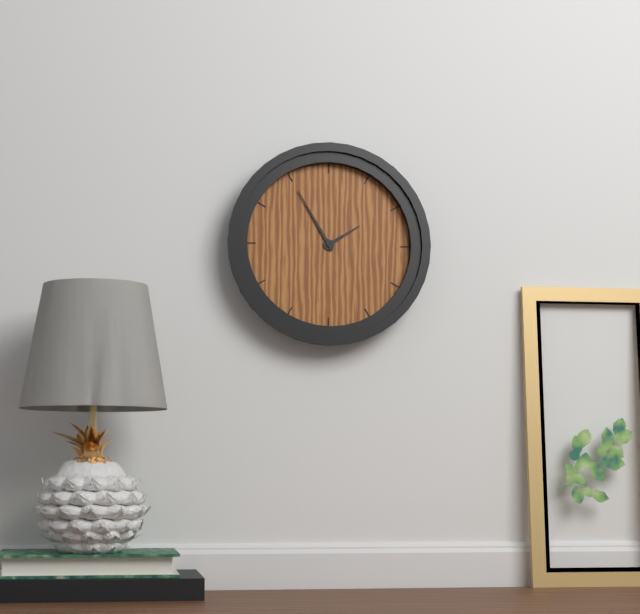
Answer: 1,55
